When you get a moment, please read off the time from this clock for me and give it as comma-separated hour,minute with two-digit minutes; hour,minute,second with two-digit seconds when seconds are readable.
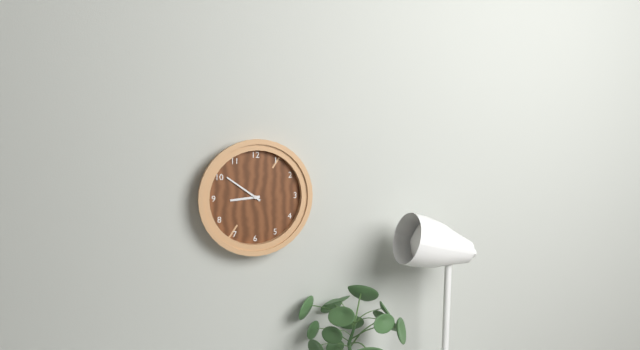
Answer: 8,51
